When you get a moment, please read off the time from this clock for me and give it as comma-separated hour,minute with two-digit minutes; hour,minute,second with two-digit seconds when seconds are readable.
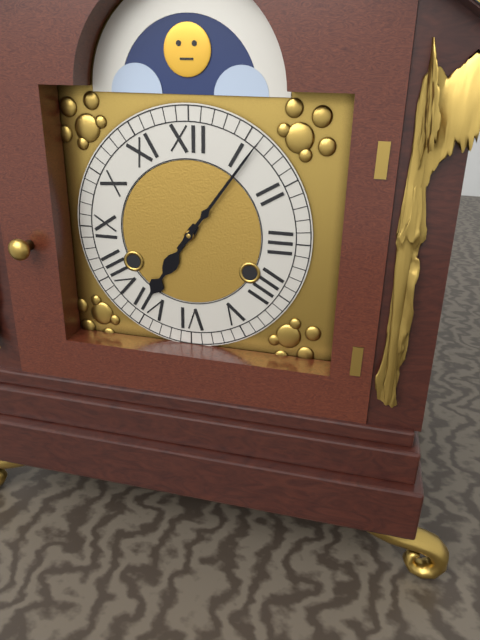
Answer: 7,06
